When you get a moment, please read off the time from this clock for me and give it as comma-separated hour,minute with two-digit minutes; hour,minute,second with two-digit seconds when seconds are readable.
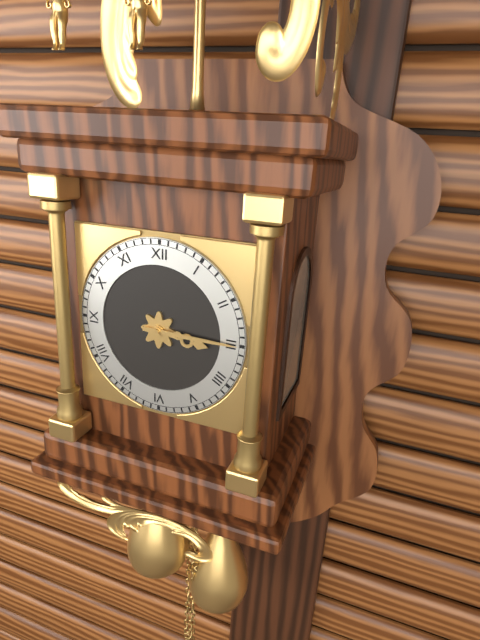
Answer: 3,15
